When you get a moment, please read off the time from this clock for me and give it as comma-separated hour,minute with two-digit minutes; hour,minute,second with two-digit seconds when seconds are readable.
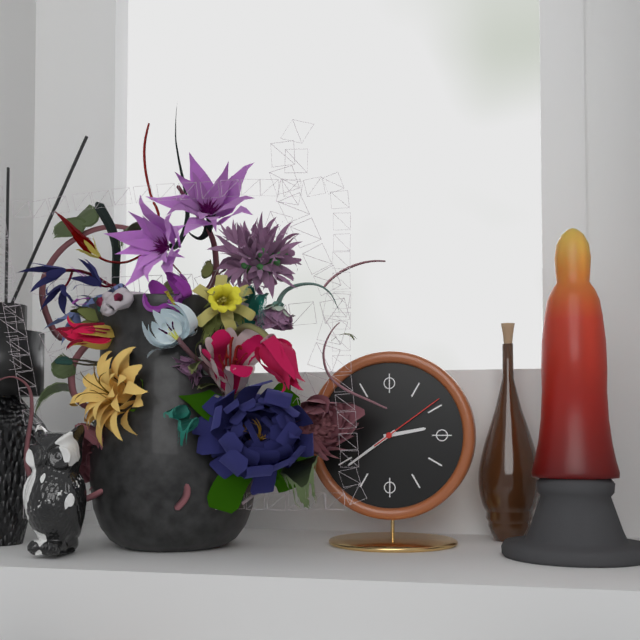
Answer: 2,39,09
